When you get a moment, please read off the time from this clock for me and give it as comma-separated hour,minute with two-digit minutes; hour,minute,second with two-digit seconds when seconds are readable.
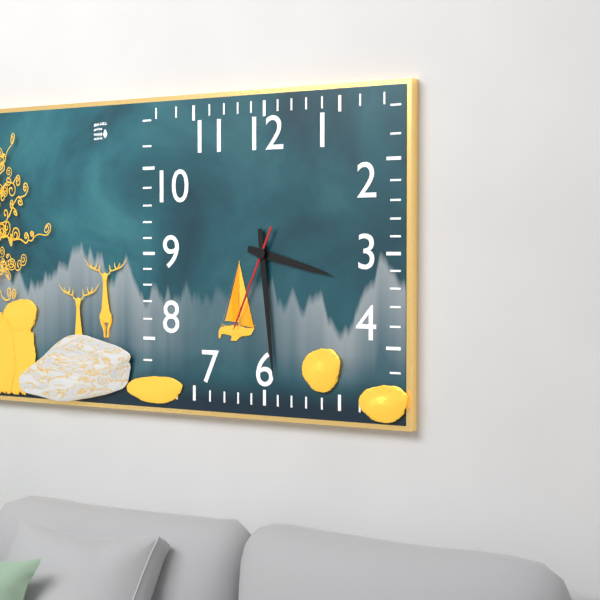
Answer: 3,29,34
